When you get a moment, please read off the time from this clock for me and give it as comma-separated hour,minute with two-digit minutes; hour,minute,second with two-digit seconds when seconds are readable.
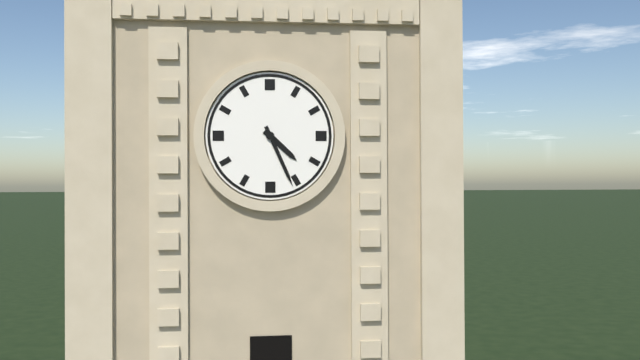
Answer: 4,26
